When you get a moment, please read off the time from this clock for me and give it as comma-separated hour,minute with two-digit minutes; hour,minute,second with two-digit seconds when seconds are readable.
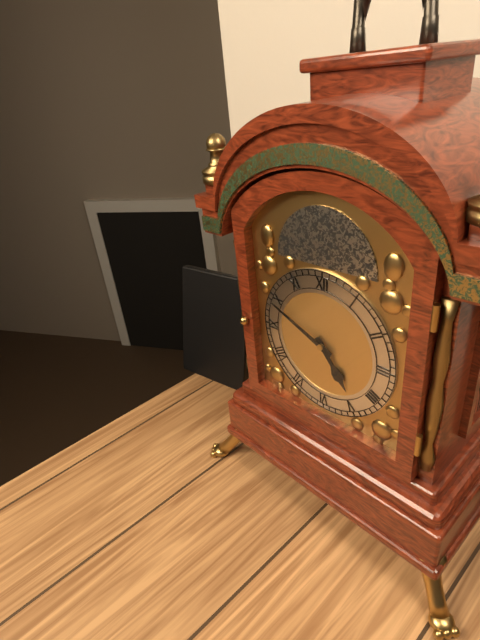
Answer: 4,49
